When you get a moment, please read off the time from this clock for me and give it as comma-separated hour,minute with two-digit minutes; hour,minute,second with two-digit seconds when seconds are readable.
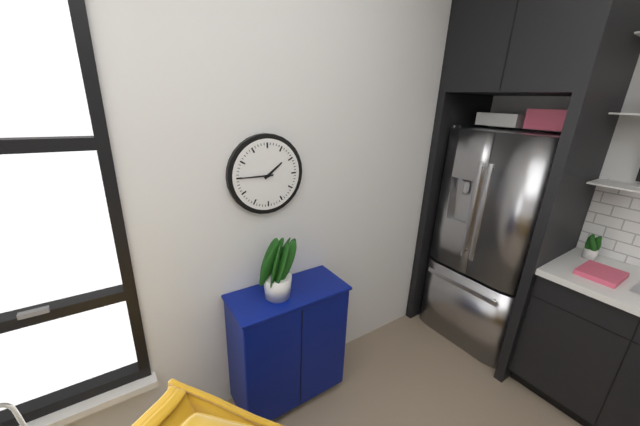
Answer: 1,45
